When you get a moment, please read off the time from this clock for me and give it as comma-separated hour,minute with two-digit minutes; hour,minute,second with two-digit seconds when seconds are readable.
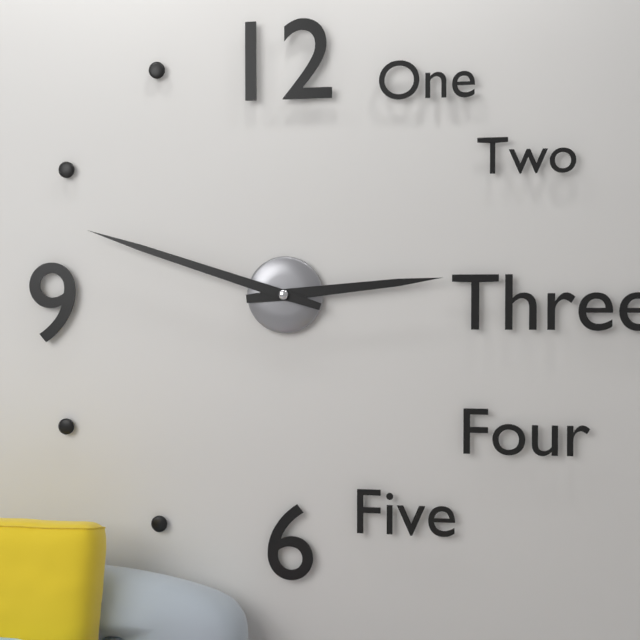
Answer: 2,48
